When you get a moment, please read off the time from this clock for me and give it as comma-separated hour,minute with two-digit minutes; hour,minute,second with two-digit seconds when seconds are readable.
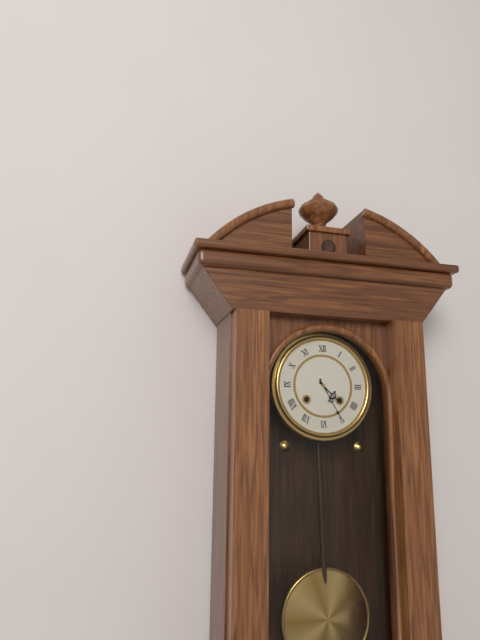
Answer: 4,25
